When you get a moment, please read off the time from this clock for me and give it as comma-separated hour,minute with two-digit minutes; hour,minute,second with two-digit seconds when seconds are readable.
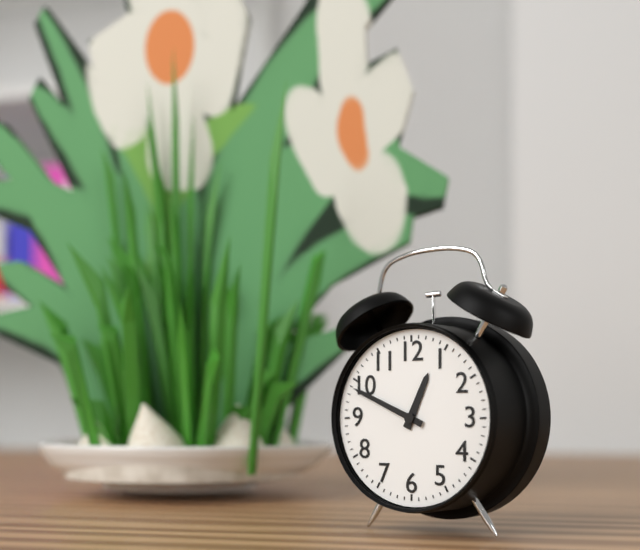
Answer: 12,49
